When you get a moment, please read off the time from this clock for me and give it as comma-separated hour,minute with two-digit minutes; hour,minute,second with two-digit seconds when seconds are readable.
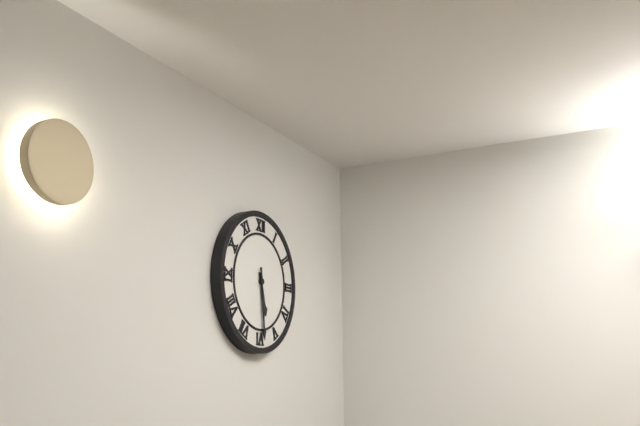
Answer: 5,29
